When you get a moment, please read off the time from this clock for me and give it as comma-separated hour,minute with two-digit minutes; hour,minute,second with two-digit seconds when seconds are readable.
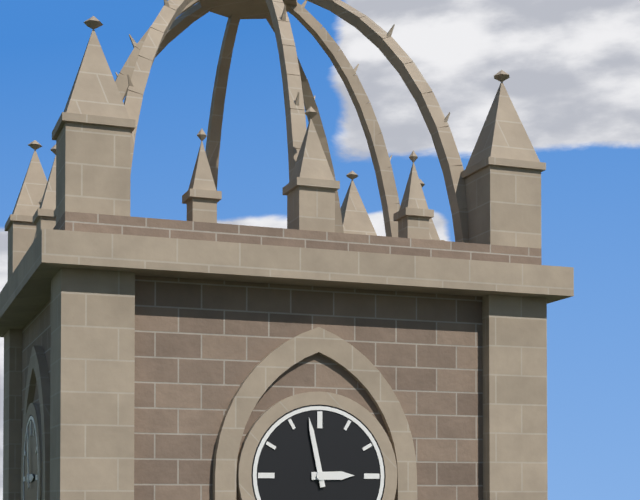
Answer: 2,58
